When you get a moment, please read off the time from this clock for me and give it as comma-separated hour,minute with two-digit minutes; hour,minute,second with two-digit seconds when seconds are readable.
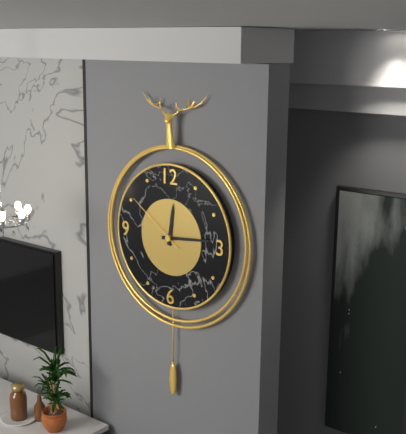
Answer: 12,14,51
